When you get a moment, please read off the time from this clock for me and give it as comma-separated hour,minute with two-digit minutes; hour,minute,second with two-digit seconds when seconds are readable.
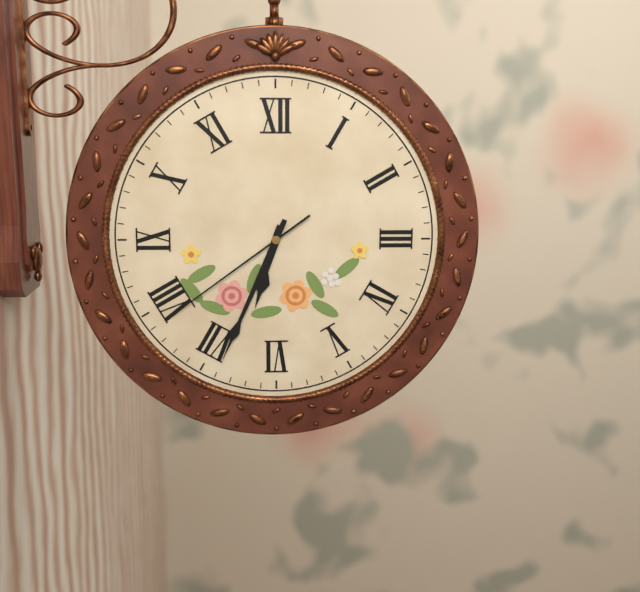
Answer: 6,34,39
